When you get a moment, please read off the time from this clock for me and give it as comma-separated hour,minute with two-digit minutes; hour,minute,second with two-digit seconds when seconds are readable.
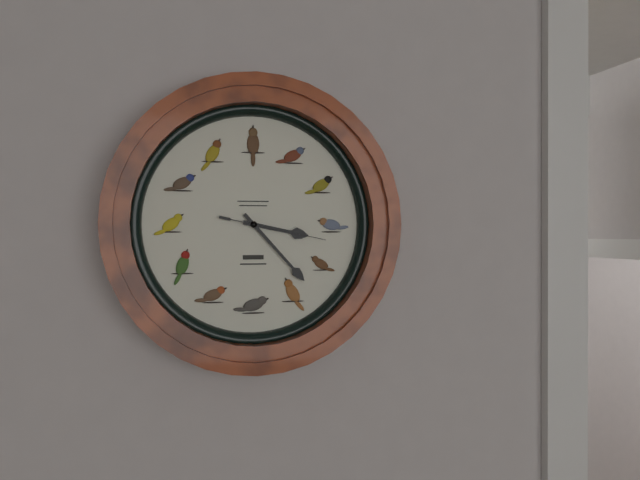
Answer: 3,23,17
